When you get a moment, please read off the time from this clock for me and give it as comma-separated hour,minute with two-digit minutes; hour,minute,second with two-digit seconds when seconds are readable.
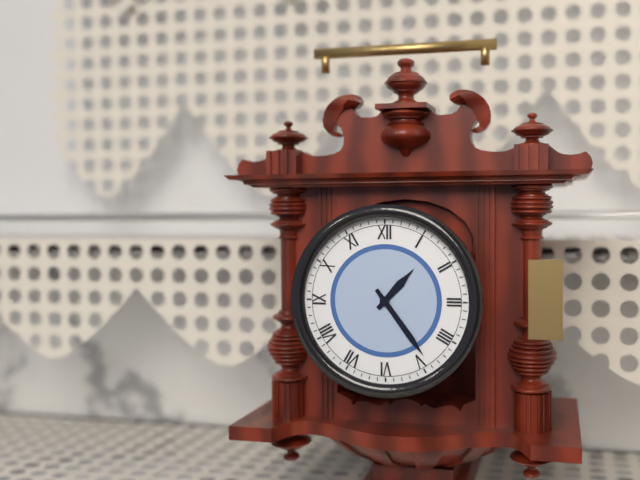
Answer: 1,24
